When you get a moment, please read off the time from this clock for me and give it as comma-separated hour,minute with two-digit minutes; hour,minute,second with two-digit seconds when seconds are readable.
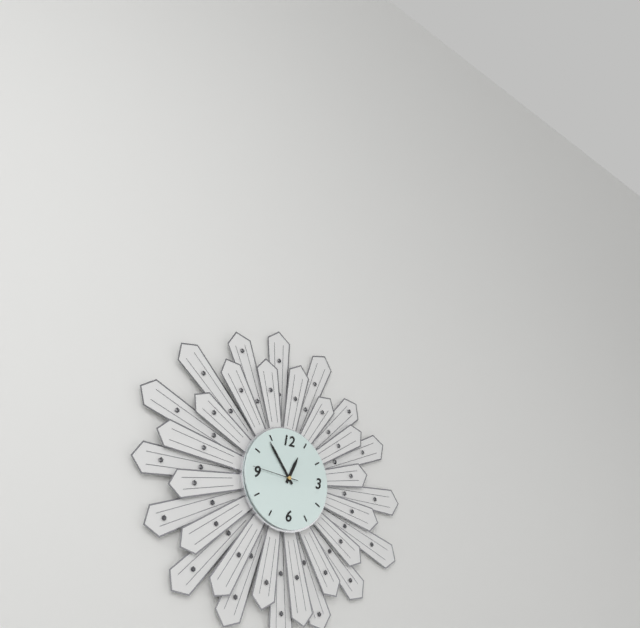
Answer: 12,54
